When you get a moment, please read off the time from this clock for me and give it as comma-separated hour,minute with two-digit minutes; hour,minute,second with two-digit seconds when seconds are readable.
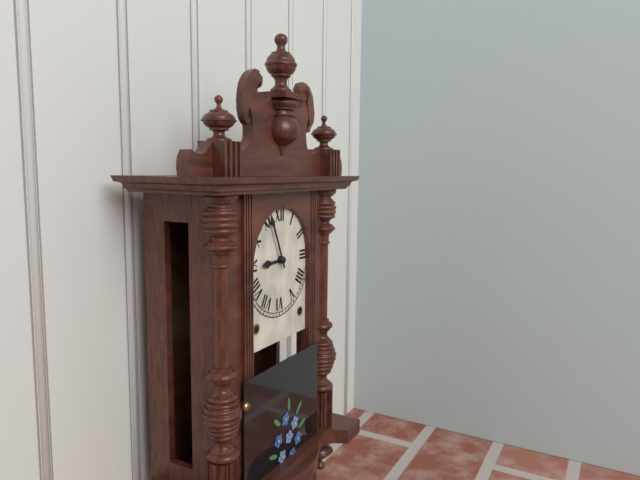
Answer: 8,56
